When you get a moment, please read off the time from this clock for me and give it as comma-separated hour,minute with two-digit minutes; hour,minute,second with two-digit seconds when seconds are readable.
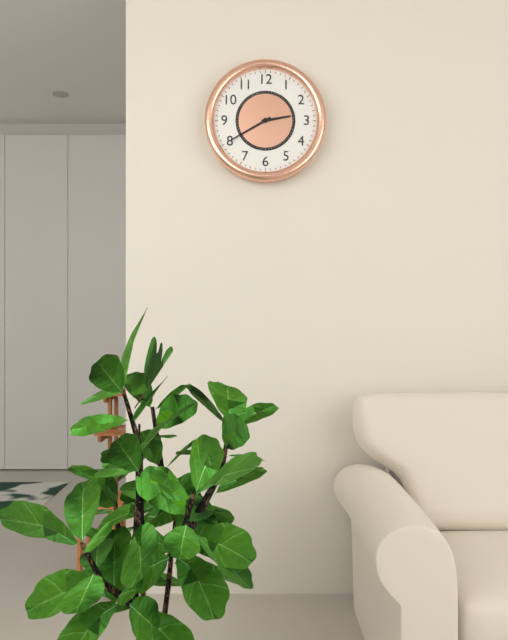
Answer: 2,40
